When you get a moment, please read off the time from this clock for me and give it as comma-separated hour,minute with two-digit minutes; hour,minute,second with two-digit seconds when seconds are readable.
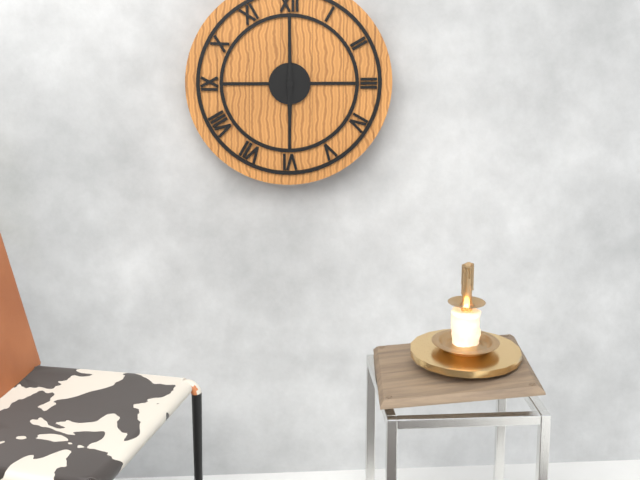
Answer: 6,00
